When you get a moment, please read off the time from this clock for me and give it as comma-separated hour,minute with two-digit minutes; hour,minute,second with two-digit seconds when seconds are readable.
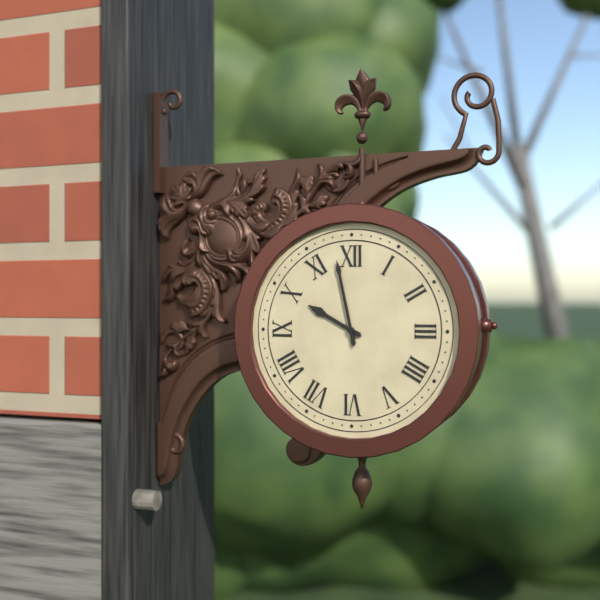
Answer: 9,58
